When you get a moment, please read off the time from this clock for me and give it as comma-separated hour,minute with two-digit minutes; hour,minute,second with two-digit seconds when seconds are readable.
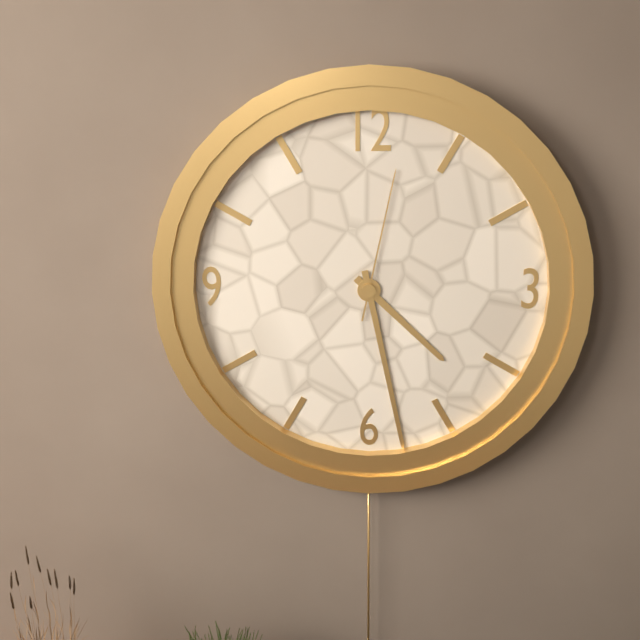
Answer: 4,28,02
